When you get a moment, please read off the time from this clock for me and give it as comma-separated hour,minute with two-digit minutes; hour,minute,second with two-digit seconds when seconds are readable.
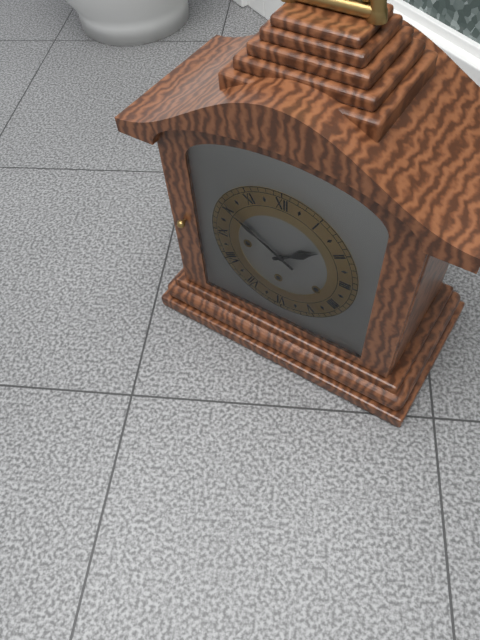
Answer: 1,50
